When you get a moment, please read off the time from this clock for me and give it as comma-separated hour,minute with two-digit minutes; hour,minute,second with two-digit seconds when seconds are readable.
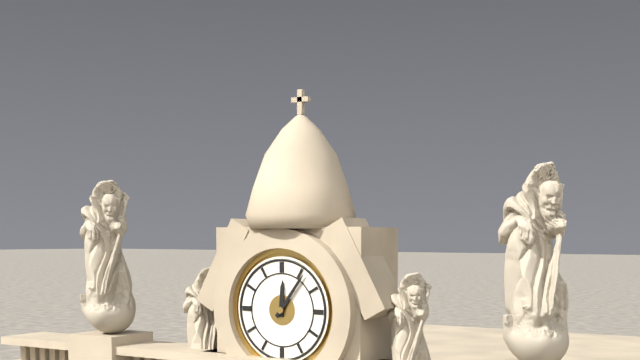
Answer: 12,06
